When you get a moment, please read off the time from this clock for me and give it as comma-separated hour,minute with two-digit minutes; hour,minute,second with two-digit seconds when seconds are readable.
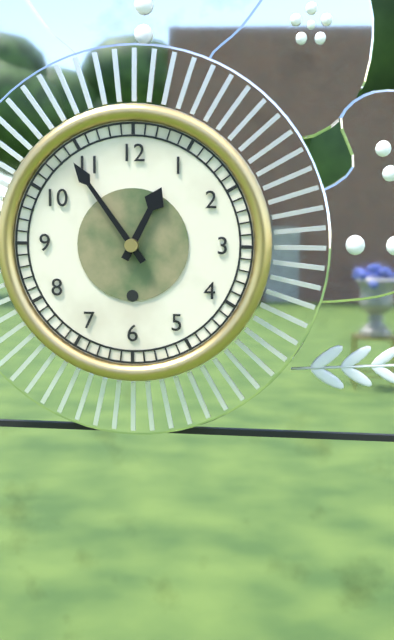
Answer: 12,54
